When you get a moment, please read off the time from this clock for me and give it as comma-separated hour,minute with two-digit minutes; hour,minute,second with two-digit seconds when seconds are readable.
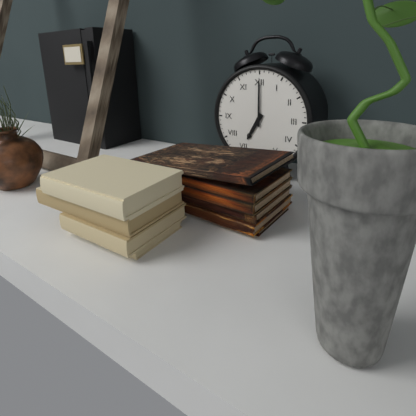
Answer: 7,00
